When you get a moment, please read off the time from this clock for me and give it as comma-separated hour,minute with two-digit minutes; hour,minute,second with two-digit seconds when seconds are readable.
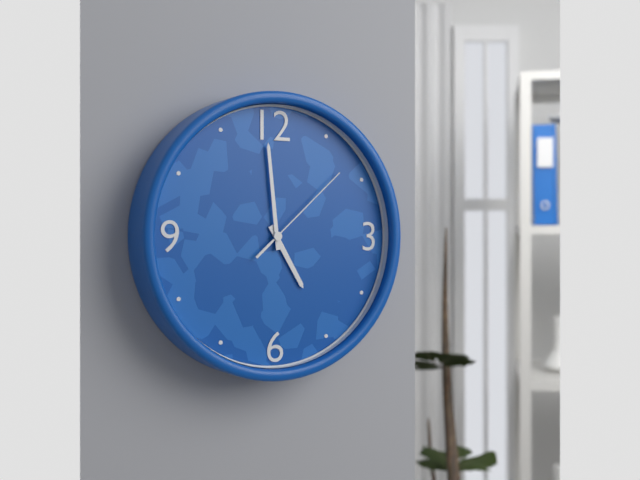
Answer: 4,59,08
